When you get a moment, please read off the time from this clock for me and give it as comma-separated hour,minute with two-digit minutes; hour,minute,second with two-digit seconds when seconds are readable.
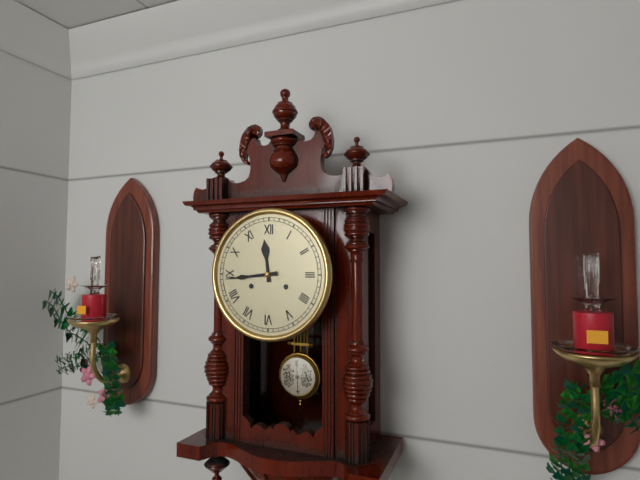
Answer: 11,44
